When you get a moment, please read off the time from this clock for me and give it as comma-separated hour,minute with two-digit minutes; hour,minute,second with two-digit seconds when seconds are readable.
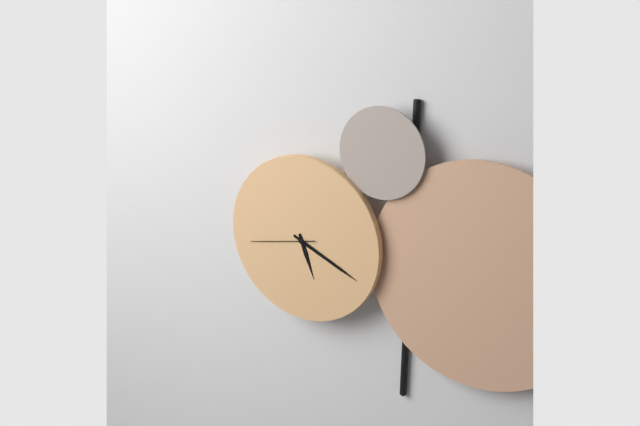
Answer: 5,19,43
